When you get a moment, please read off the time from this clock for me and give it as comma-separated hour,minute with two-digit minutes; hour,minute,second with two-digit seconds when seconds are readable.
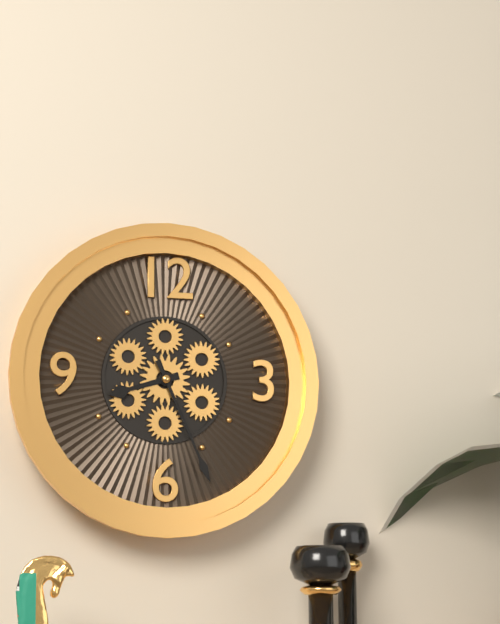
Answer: 8,26
